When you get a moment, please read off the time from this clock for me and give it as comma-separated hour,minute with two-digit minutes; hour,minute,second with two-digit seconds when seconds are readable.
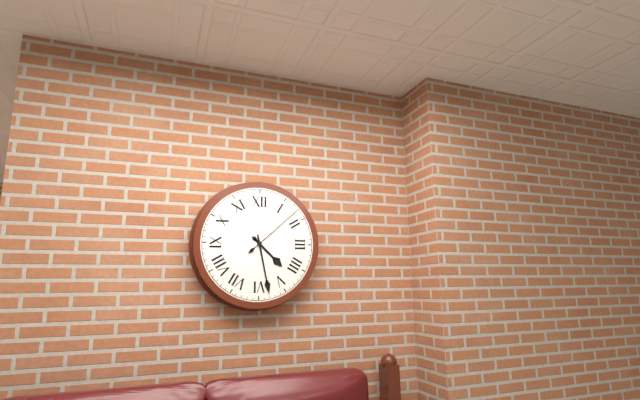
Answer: 4,28,08
